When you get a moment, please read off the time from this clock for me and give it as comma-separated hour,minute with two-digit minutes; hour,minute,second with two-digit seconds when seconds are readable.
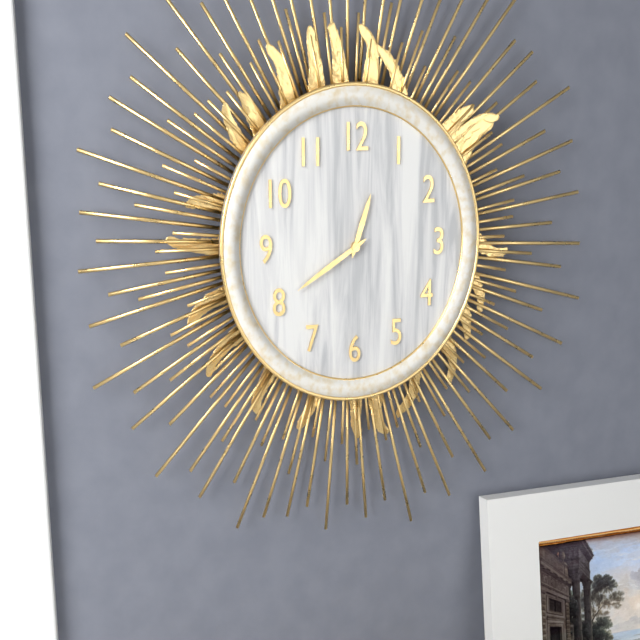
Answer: 12,40
